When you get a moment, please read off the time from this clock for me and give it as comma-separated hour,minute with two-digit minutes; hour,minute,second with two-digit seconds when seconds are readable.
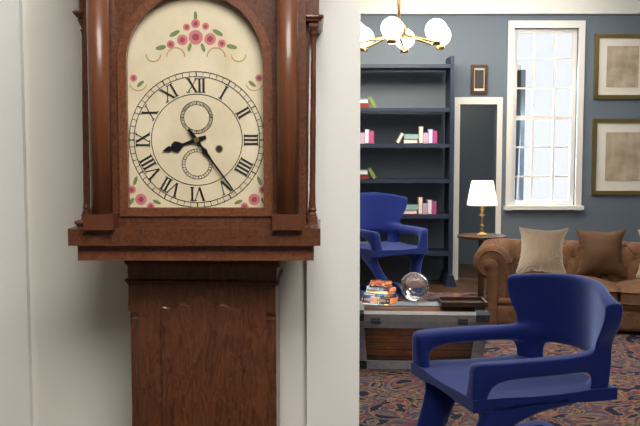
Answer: 8,24
